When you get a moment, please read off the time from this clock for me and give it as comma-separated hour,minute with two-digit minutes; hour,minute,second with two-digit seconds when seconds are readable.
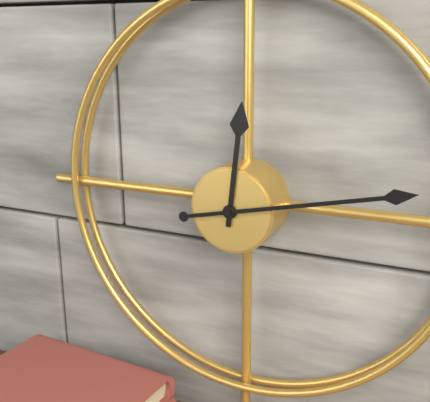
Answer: 12,13
